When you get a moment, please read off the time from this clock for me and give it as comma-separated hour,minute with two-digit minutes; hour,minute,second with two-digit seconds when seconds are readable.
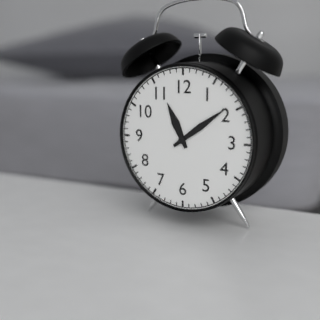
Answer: 11,09
